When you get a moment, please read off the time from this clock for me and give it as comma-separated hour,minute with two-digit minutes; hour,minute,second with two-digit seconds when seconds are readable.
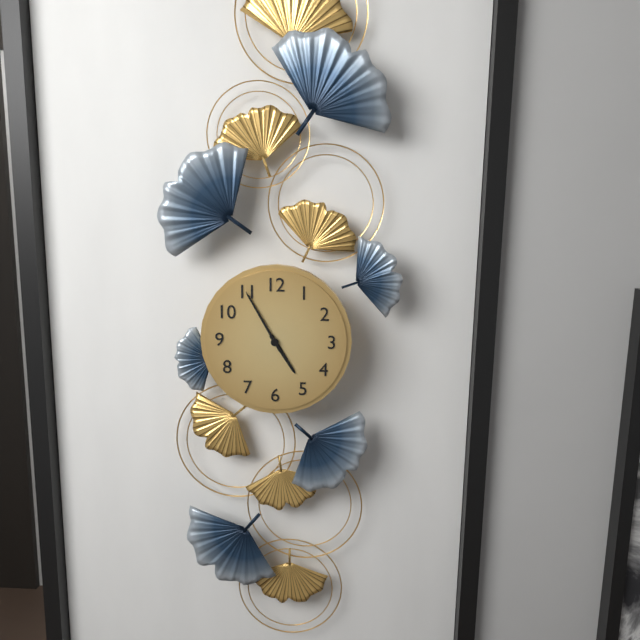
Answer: 4,55
